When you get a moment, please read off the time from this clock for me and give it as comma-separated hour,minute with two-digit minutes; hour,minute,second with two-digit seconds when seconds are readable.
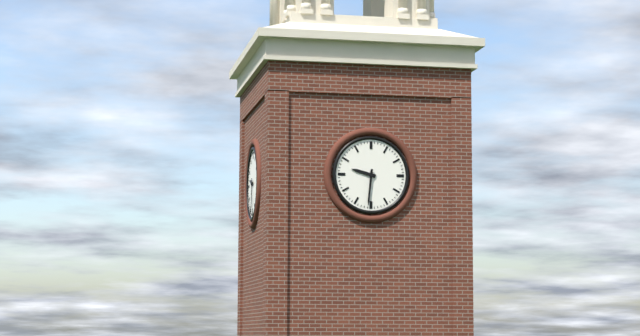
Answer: 9,31
